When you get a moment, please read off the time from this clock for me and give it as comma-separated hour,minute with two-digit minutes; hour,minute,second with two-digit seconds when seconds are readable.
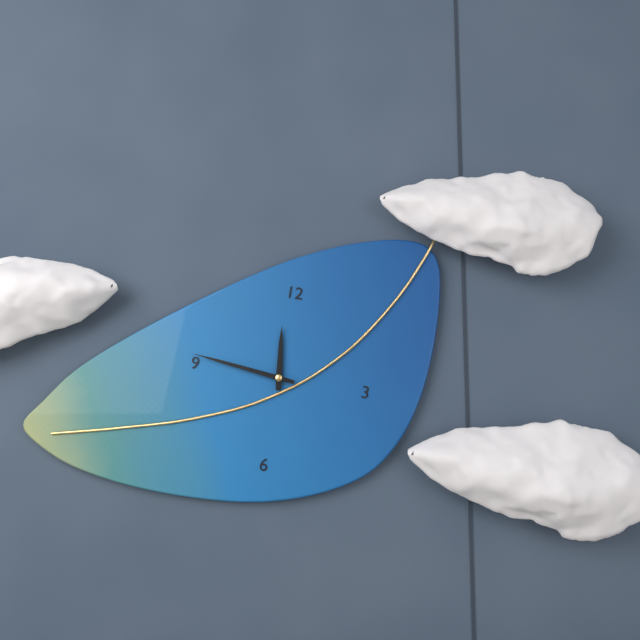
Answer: 11,46
